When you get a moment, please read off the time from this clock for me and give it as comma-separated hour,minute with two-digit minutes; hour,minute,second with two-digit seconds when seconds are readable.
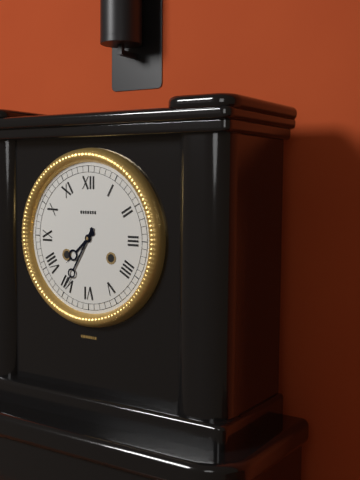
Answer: 7,35
